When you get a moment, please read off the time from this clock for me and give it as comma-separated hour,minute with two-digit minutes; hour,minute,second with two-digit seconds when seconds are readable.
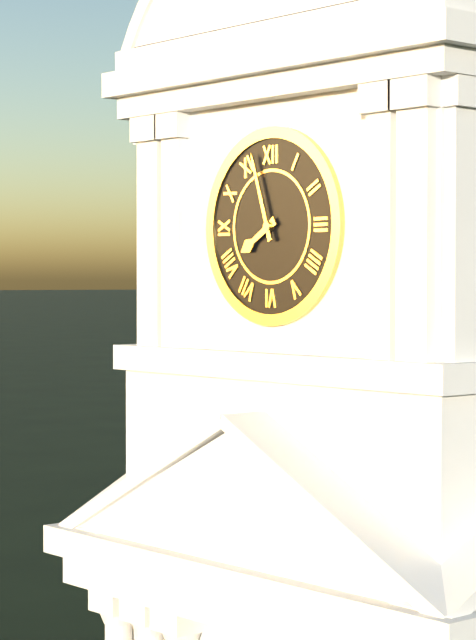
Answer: 7,57
